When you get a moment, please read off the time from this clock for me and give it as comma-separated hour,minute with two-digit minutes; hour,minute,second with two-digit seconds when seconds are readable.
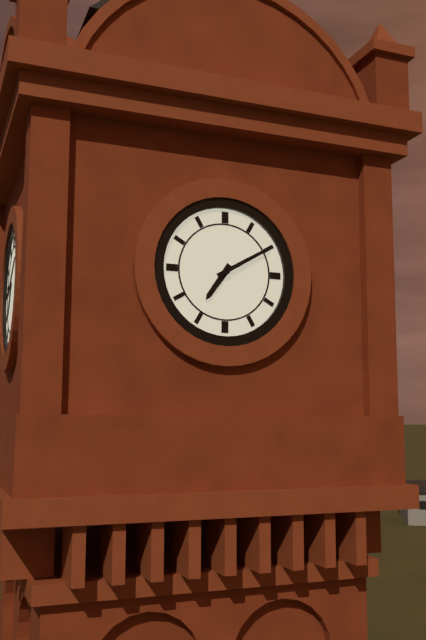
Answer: 7,10
